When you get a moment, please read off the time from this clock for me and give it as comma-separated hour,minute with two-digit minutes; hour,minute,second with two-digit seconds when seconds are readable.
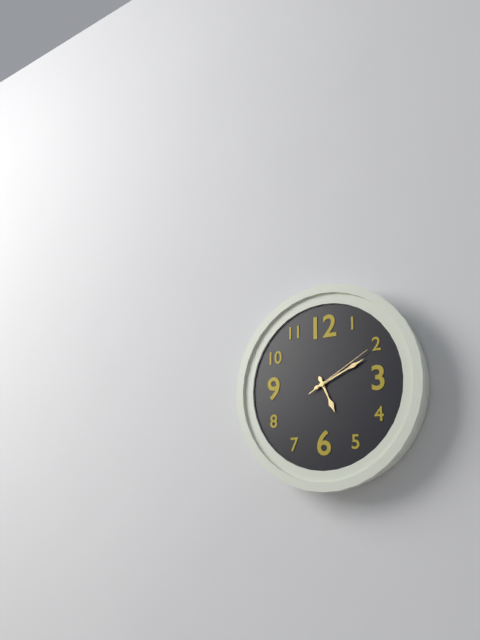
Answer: 5,11,10
